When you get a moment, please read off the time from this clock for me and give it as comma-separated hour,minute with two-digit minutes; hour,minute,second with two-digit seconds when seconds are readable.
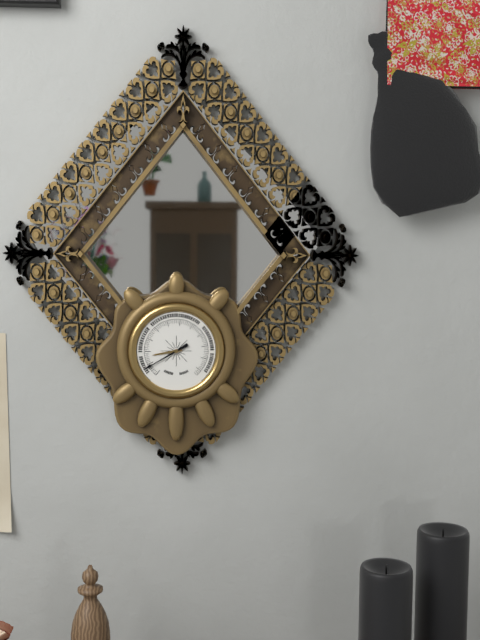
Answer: 8,40
